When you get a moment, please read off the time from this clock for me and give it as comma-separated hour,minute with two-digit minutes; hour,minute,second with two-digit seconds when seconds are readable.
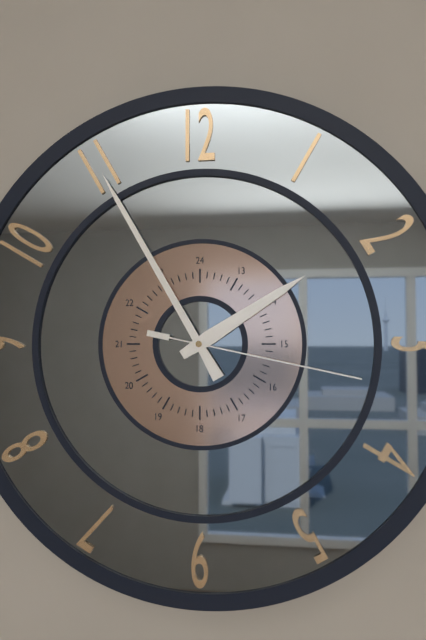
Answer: 1,55,17
